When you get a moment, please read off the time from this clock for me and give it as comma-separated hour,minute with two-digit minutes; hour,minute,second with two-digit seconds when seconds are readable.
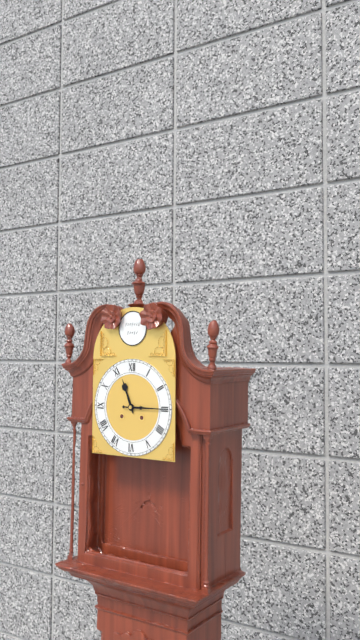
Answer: 11,15
